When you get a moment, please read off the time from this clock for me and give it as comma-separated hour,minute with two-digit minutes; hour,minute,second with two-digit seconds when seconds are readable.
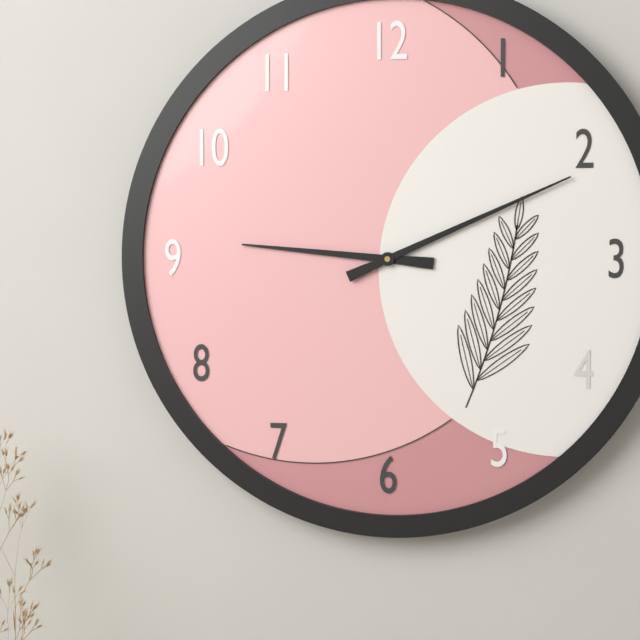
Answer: 9,11
